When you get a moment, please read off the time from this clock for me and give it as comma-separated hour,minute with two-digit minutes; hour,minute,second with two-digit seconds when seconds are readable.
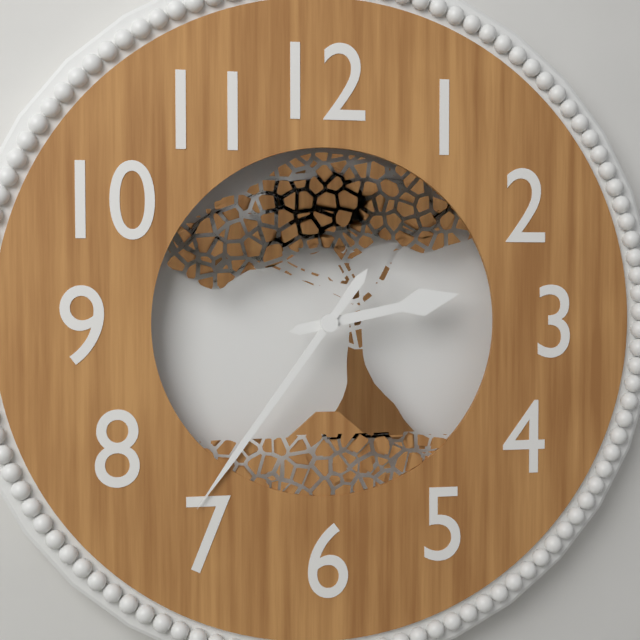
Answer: 2,36
